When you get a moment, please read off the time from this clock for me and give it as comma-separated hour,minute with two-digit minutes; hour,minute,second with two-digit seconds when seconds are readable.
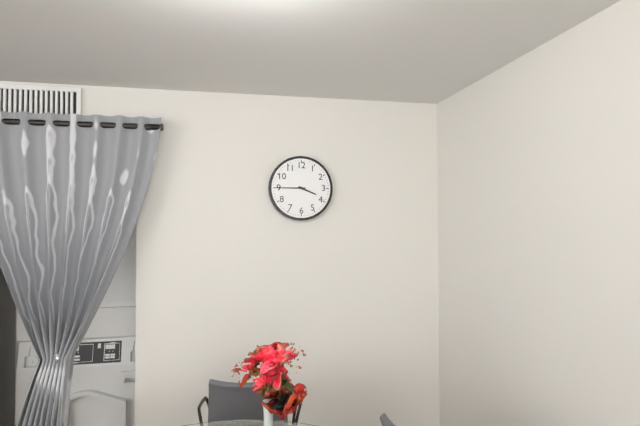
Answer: 3,45
